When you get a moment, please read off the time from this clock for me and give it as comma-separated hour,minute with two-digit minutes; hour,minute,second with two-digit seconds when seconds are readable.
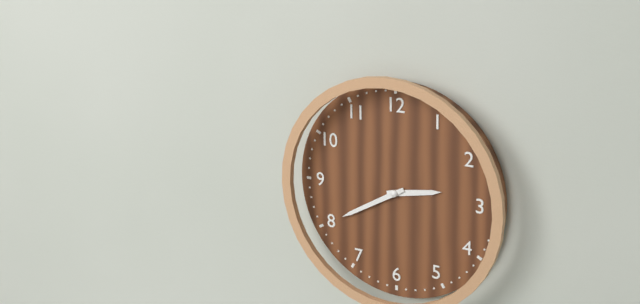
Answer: 2,40
